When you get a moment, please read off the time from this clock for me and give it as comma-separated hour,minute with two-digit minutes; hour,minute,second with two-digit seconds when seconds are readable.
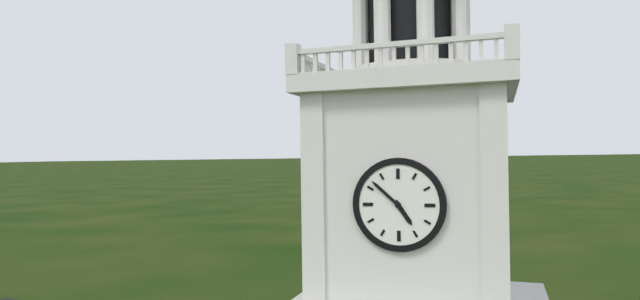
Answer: 4,52
